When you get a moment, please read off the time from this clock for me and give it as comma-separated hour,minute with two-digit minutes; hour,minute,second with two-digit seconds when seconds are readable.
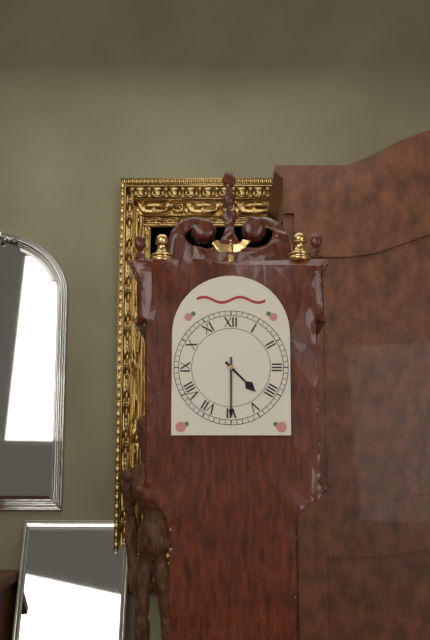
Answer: 4,30
